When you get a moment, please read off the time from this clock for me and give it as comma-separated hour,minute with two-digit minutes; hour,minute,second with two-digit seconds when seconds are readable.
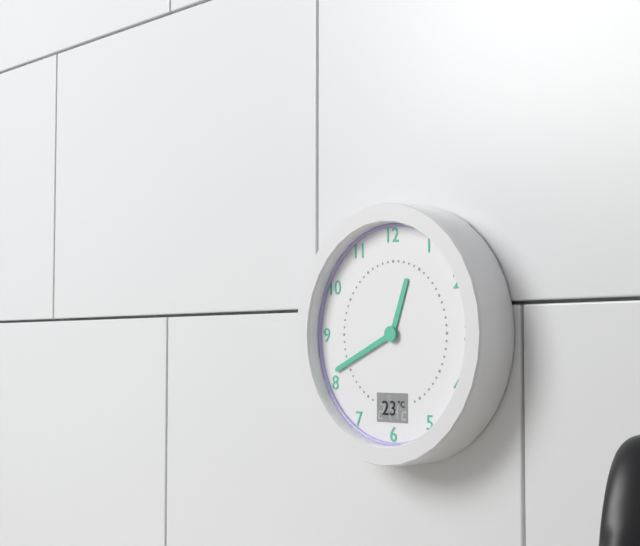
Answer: 12,41
